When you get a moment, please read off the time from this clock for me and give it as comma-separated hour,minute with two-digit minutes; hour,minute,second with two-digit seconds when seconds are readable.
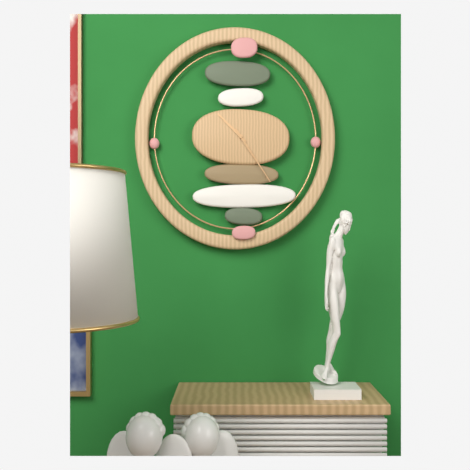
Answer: 10,24
